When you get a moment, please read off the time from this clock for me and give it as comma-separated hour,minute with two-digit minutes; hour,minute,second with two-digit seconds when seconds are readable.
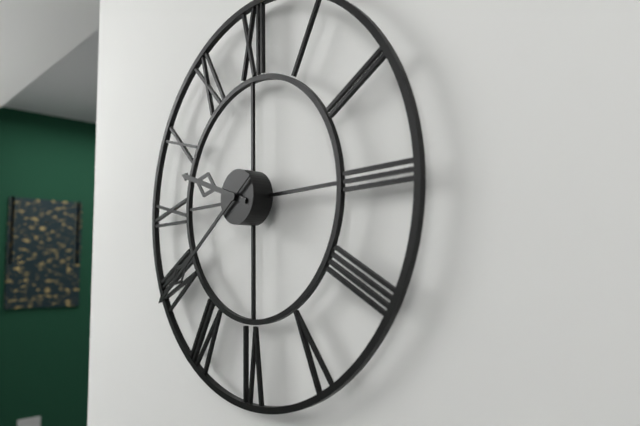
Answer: 9,39
